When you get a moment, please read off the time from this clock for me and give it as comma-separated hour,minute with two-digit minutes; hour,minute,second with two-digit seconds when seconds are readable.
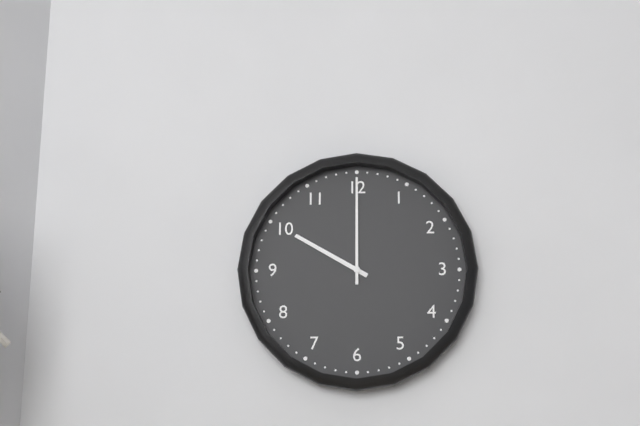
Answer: 10,00
